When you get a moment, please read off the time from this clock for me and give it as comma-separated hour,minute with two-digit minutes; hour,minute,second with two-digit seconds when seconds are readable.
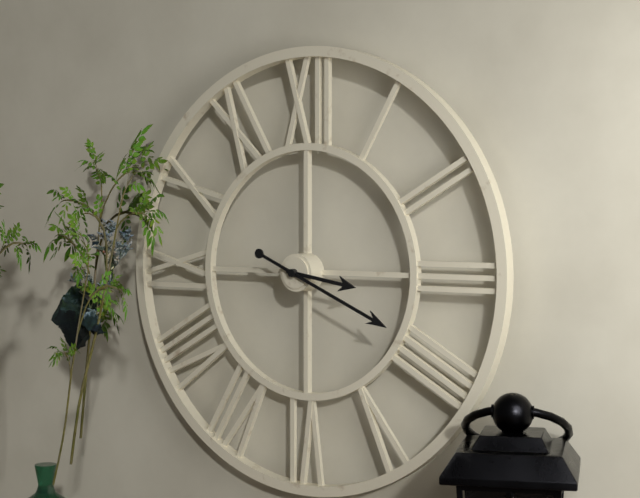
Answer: 3,19
